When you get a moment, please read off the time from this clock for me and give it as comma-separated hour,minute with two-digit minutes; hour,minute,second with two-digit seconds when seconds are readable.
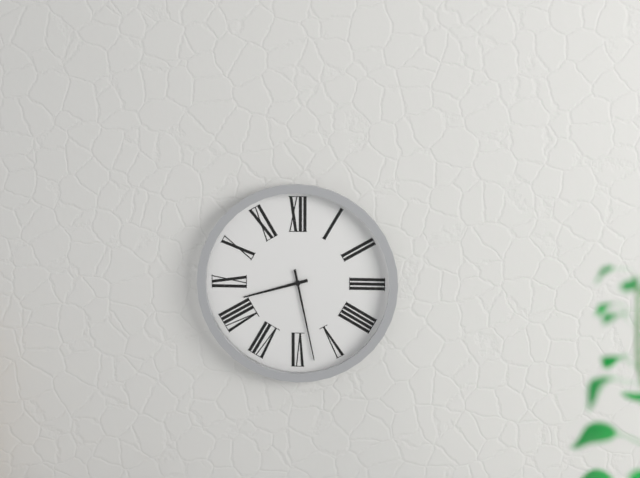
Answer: 8,28
